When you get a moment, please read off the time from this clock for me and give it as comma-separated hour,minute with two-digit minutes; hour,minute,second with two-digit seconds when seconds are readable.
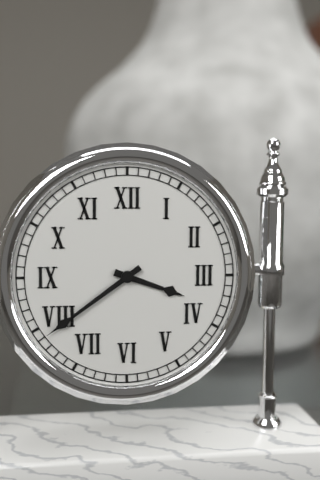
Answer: 3,39
